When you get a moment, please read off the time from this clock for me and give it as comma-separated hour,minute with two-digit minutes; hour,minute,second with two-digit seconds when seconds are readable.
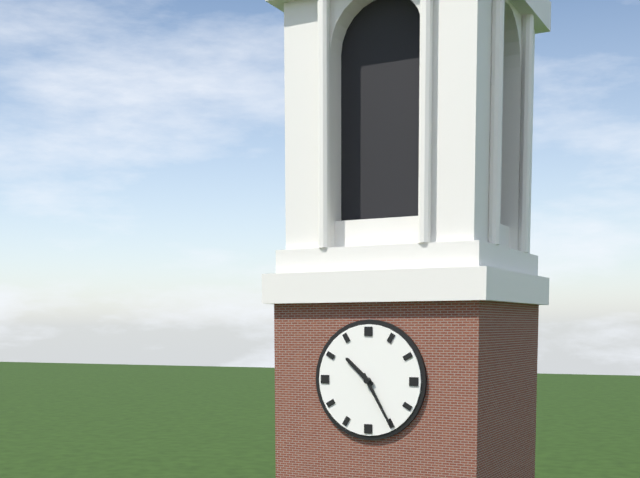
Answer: 10,25
